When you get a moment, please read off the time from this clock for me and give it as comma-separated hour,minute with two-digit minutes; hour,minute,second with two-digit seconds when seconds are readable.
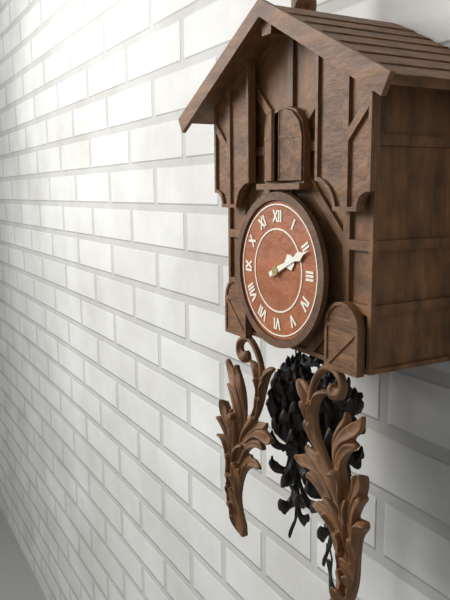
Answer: 2,11
